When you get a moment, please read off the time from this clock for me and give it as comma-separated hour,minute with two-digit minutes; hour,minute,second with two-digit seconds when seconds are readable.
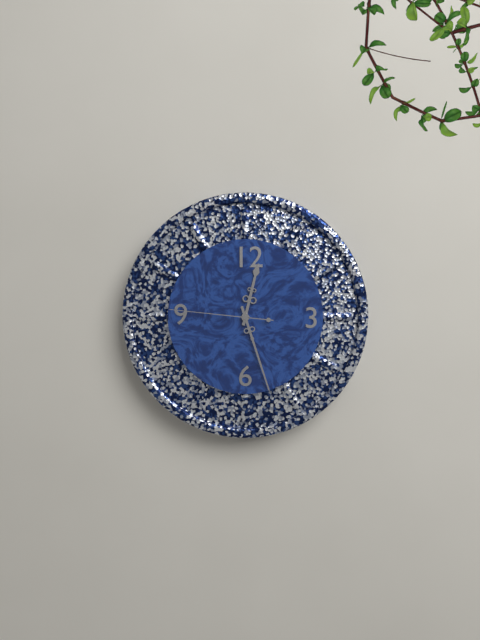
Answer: 12,27,46
